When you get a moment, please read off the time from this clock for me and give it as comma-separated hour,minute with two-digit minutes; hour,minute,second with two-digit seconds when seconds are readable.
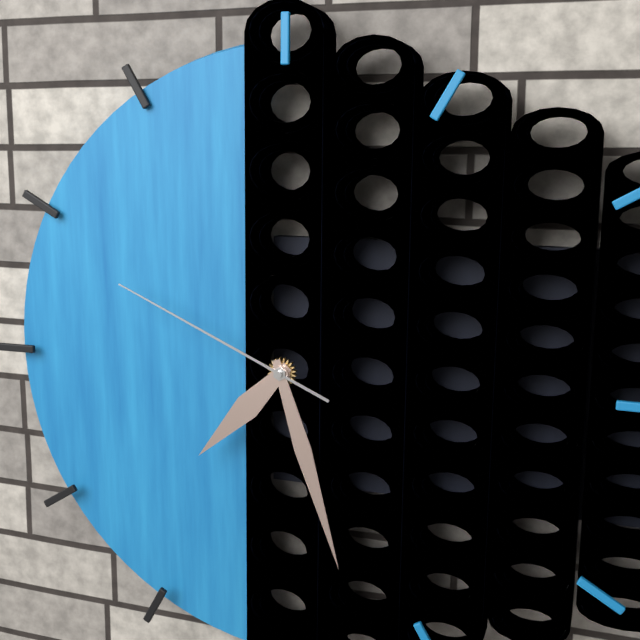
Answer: 7,27,49
